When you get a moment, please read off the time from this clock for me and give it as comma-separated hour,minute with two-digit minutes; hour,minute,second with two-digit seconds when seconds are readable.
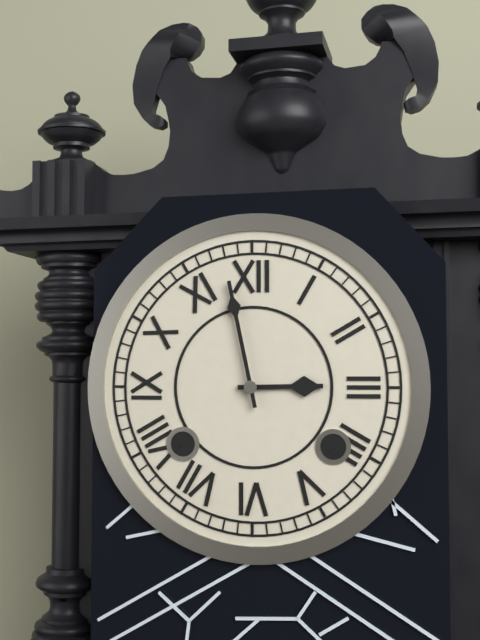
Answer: 2,58
